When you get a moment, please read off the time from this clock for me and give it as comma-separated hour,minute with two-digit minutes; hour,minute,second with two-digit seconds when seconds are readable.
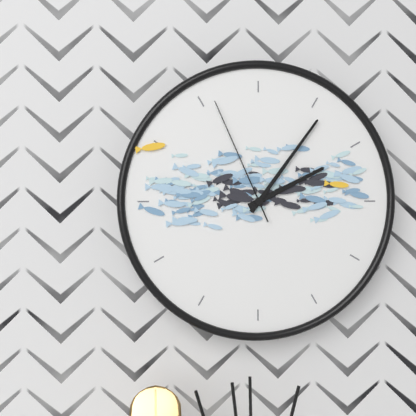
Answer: 2,06,56
